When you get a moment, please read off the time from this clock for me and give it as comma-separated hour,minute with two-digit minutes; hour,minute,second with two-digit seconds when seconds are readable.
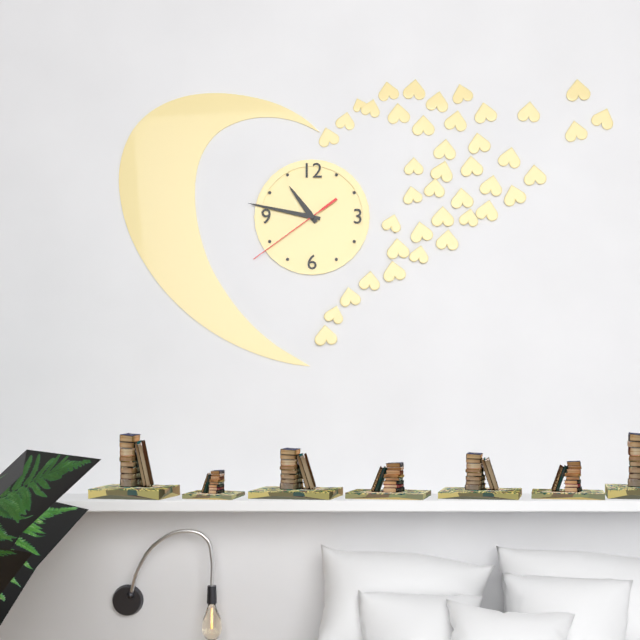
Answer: 10,47,39
